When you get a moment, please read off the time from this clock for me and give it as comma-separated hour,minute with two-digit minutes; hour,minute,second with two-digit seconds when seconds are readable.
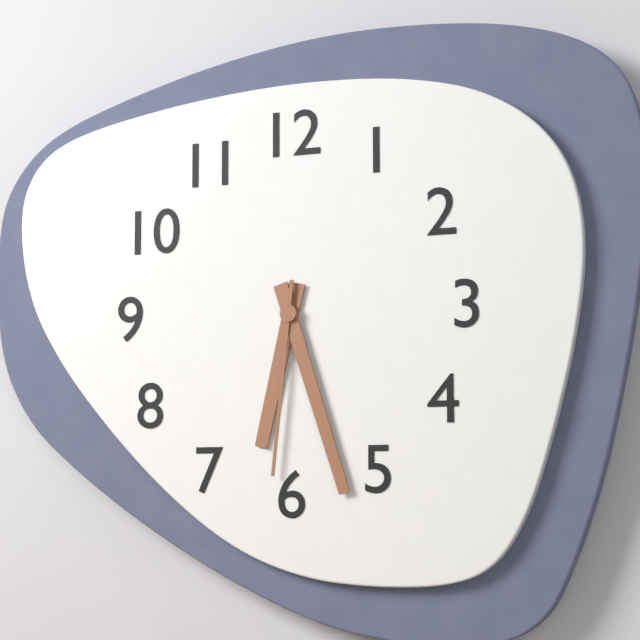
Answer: 6,27,31
